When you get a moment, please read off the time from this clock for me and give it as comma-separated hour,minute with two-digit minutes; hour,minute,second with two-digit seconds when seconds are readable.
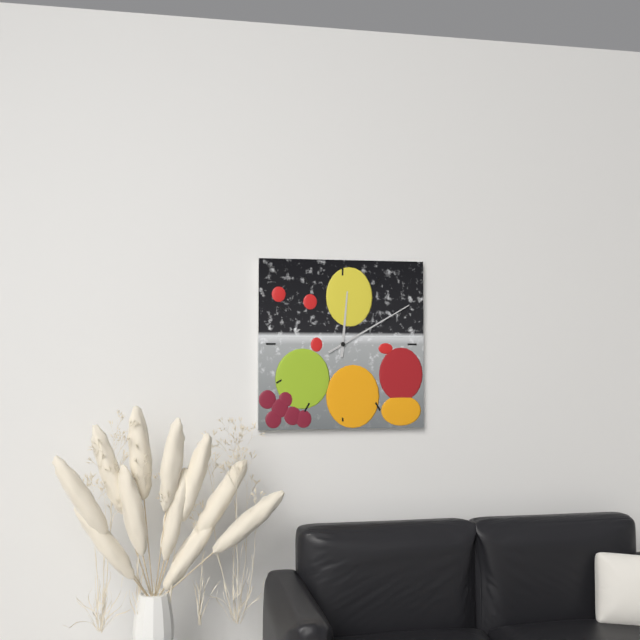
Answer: 12,10
